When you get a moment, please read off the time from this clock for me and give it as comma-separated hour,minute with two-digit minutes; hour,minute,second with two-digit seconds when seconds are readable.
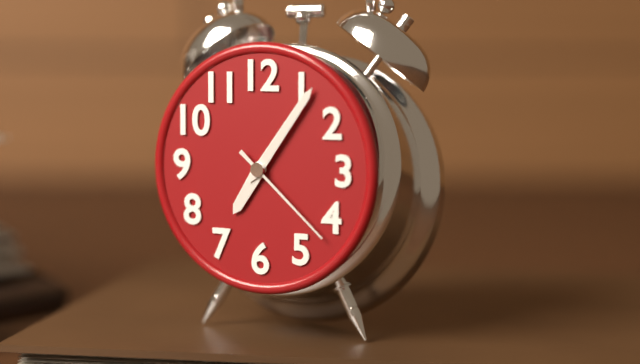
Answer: 7,06,22
